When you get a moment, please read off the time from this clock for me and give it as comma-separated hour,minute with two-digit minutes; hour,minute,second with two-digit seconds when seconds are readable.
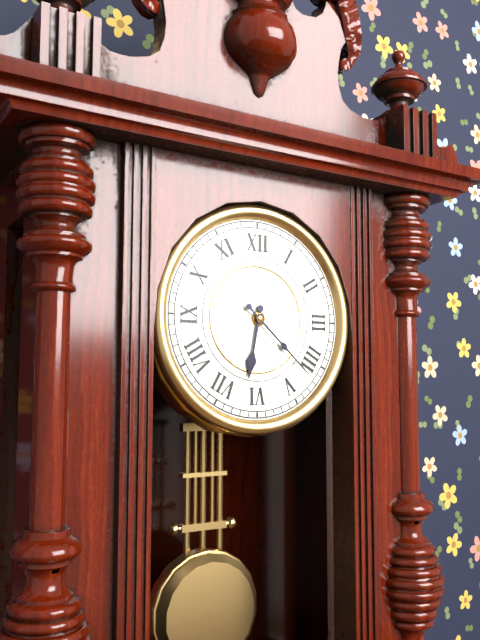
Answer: 6,22
